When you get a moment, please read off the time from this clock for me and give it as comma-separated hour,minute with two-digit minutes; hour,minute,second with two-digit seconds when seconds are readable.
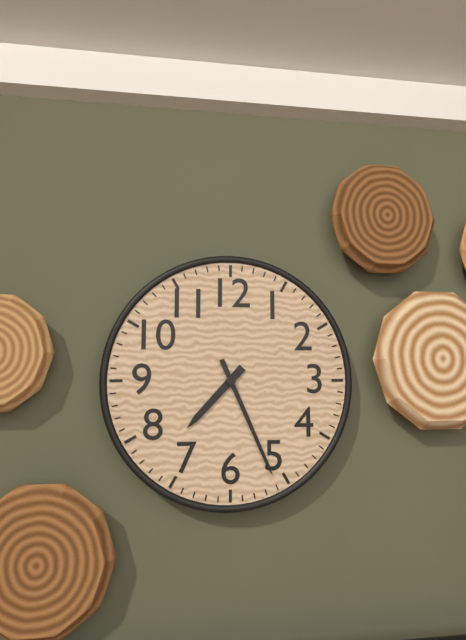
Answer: 7,26
